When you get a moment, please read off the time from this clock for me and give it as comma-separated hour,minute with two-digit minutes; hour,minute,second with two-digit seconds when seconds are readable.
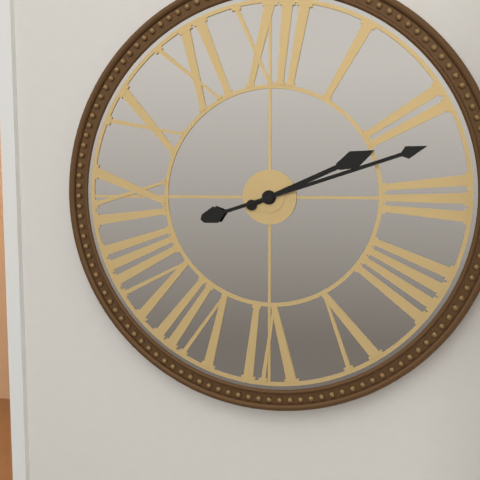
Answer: 2,12
